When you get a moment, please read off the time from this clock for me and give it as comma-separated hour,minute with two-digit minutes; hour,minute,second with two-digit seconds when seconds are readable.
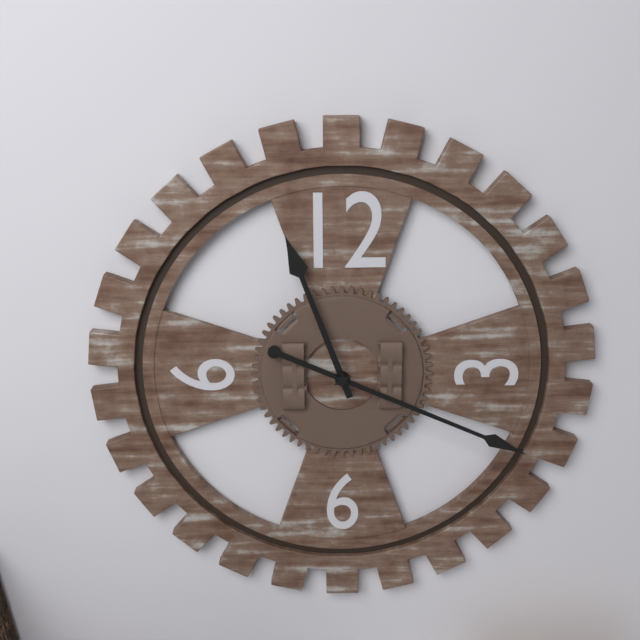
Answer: 11,19
